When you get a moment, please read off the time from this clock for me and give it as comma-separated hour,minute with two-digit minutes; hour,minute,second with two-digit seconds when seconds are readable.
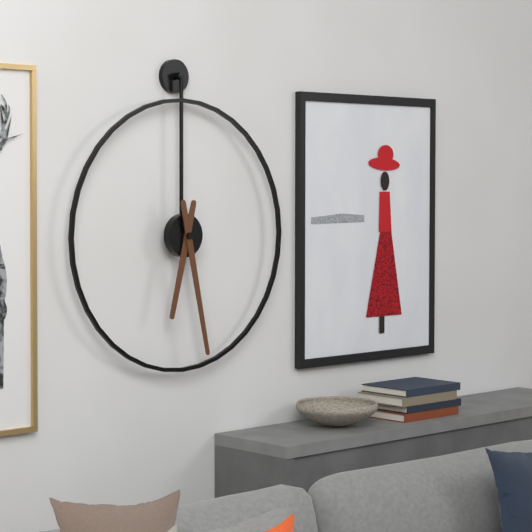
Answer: 6,28
